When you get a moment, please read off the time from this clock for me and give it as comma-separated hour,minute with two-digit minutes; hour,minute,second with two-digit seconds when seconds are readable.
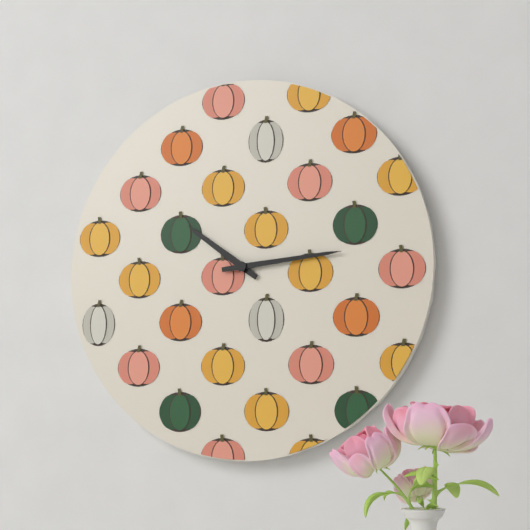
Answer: 10,14
